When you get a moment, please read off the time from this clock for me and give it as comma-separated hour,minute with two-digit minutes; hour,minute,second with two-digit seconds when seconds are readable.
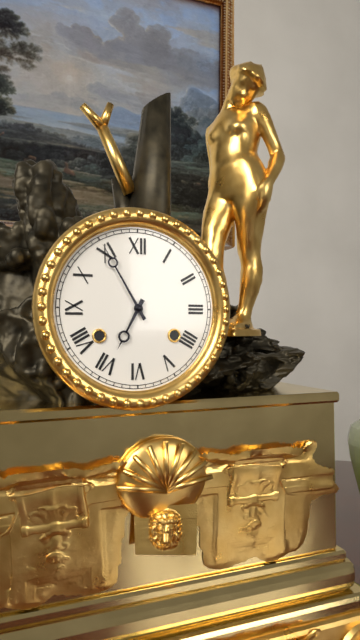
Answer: 6,55
